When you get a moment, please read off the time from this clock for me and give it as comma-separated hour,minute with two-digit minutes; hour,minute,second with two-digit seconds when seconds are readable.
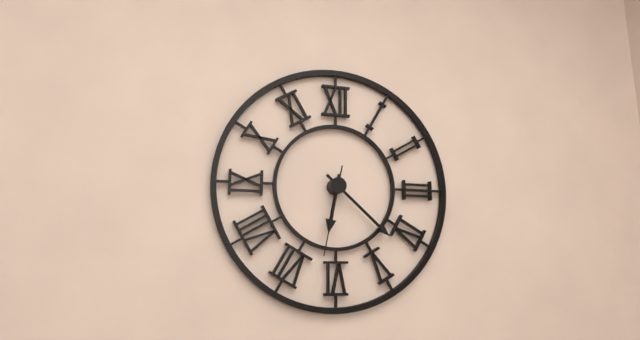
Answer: 6,22,32
